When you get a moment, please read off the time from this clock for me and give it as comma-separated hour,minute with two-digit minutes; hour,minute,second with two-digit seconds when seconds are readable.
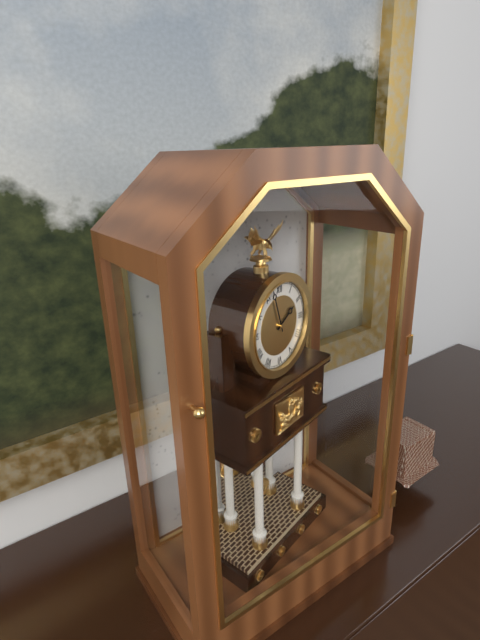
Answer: 1,57
